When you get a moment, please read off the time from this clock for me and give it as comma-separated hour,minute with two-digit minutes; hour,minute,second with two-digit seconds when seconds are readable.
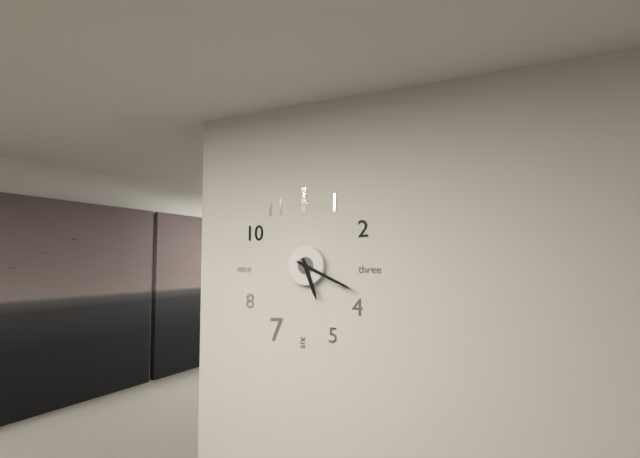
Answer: 5,19
